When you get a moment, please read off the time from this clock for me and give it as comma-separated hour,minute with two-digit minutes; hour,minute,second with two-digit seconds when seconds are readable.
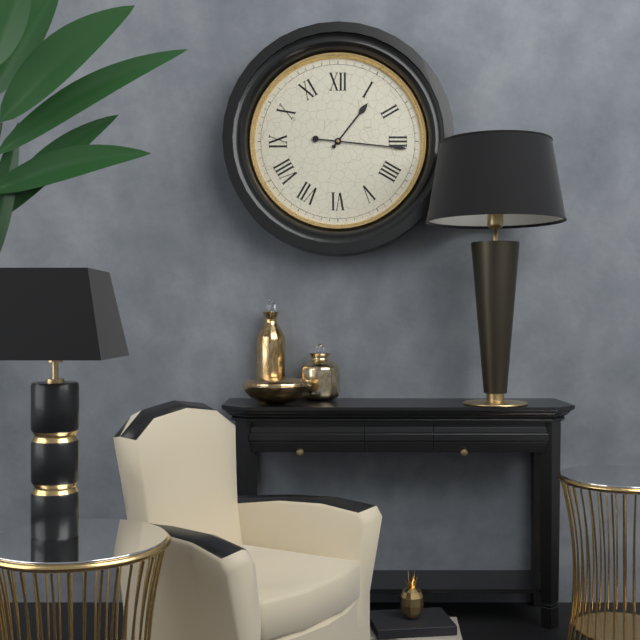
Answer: 1,16
